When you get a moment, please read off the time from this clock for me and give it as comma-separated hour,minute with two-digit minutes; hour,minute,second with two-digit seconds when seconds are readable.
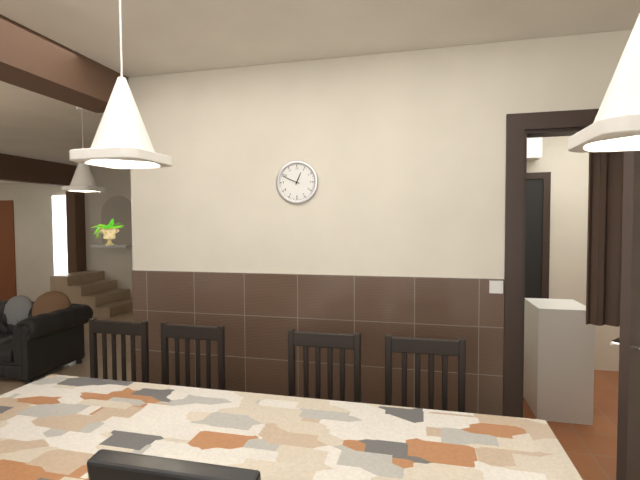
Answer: 12,49
